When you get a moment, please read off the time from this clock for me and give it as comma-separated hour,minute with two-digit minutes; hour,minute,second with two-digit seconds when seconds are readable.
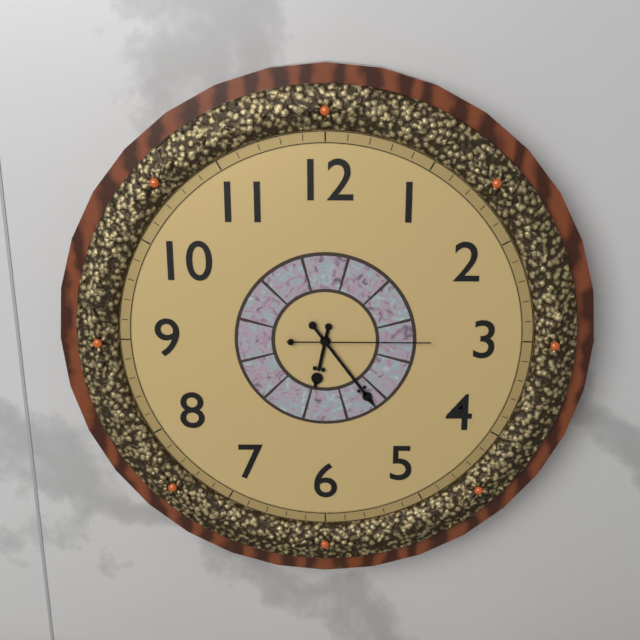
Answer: 6,24,15
